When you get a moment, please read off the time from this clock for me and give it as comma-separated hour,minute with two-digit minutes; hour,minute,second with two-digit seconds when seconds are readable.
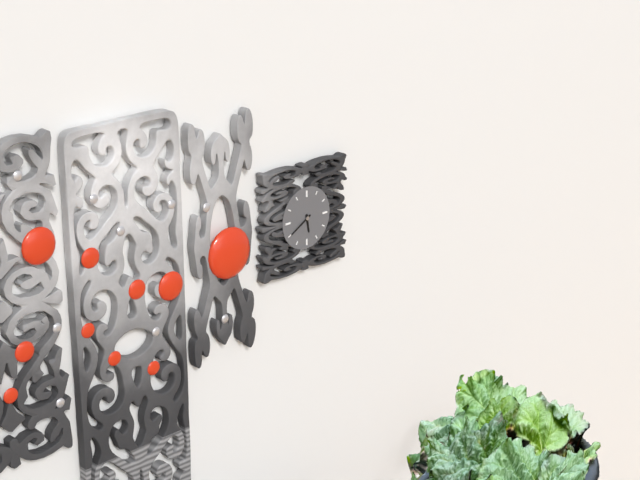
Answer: 5,40
